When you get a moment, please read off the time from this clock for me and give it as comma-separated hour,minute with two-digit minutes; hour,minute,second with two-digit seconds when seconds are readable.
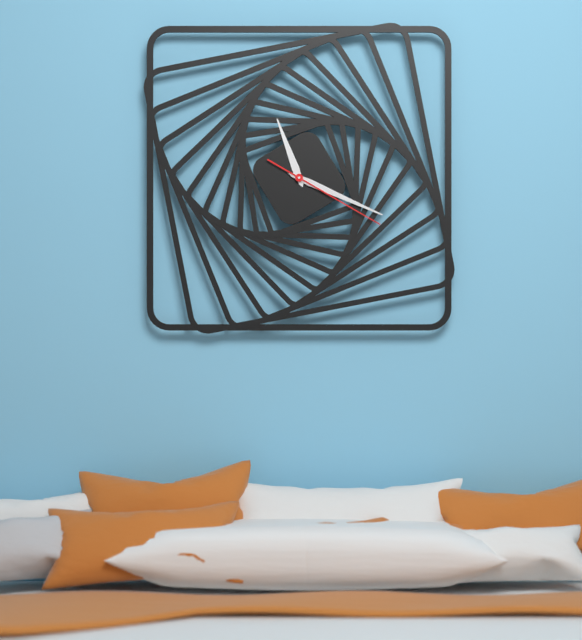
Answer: 11,19,20
